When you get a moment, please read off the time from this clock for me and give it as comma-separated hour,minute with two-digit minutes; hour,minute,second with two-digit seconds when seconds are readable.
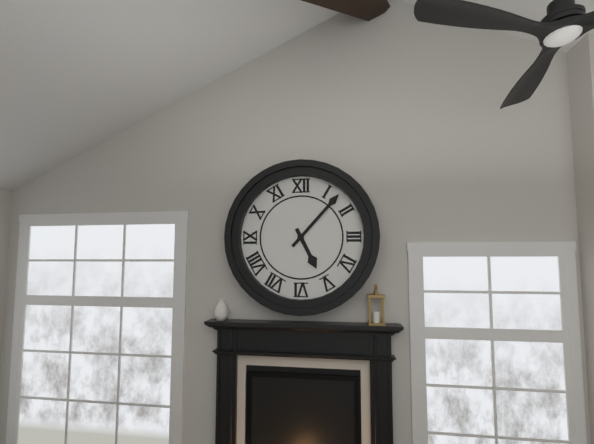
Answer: 5,07
